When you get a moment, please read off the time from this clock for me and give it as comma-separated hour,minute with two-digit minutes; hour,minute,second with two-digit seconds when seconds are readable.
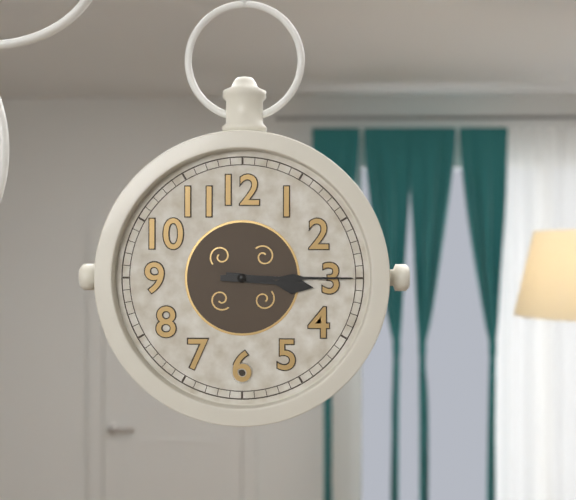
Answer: 3,15
